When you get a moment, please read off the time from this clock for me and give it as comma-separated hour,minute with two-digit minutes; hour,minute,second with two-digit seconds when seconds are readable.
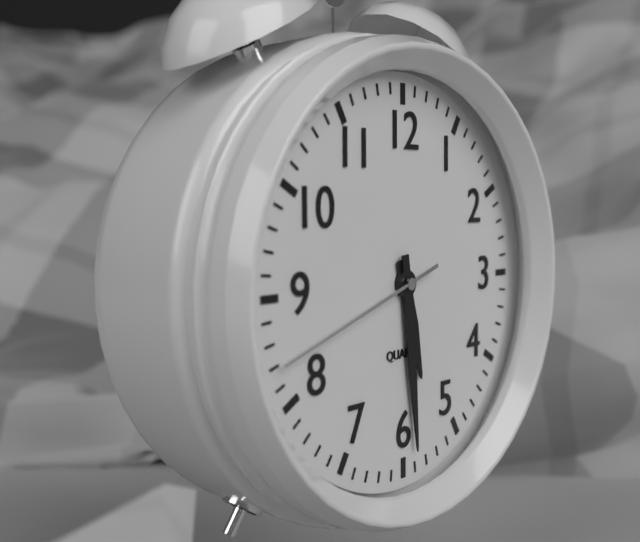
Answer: 5,29,42
